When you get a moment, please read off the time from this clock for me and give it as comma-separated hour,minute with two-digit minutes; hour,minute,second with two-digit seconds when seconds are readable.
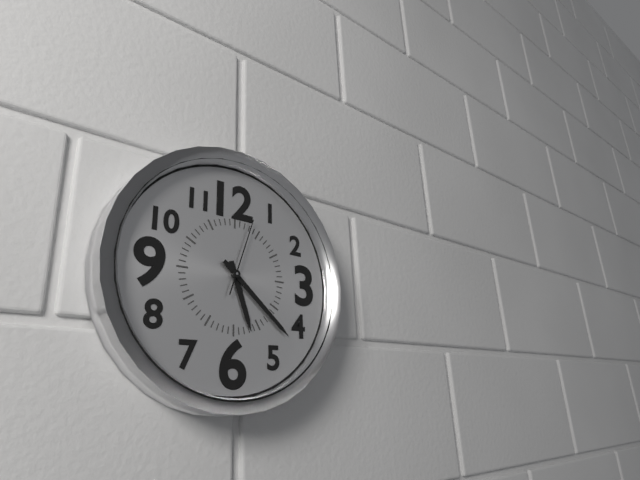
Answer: 5,22,03
